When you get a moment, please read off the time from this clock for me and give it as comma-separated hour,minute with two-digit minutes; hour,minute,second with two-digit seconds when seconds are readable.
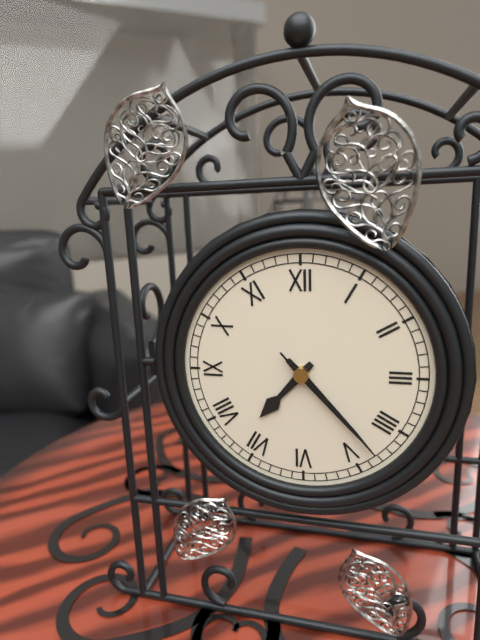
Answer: 7,23,23
